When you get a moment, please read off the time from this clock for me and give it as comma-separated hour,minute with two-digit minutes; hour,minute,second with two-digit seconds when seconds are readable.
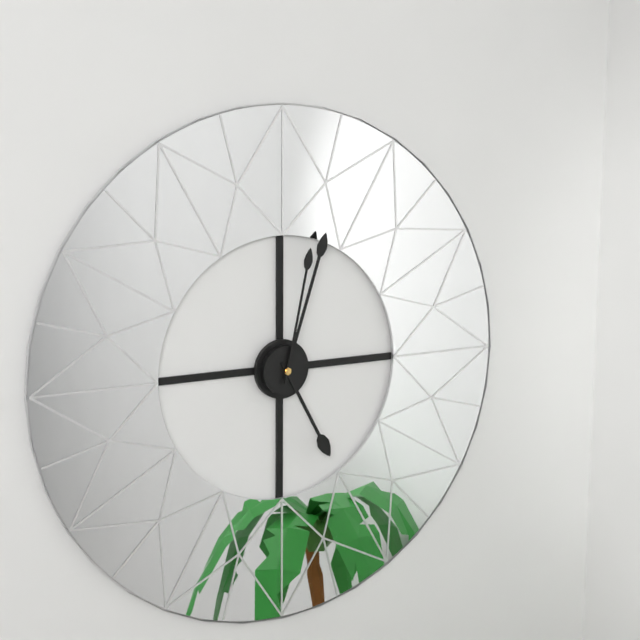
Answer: 5,03,02
